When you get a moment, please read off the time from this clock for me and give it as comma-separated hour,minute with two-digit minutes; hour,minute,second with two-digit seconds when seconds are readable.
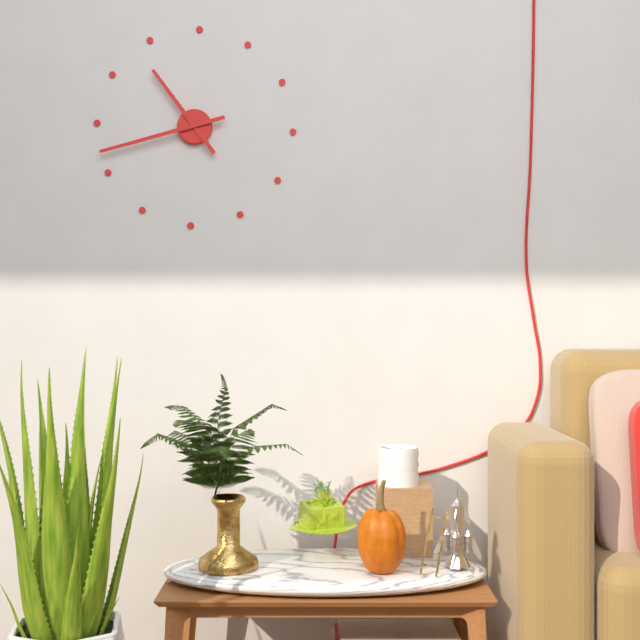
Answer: 10,42
